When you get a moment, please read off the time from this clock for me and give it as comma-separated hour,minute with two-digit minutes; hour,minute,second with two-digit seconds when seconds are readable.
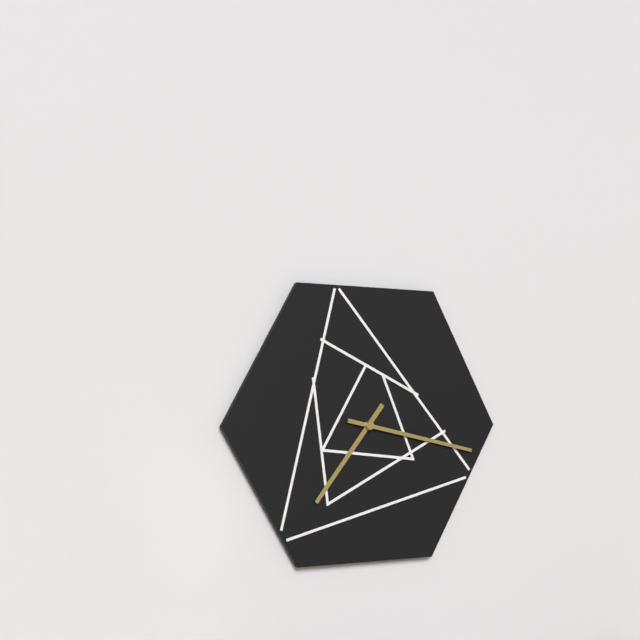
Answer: 7,17
